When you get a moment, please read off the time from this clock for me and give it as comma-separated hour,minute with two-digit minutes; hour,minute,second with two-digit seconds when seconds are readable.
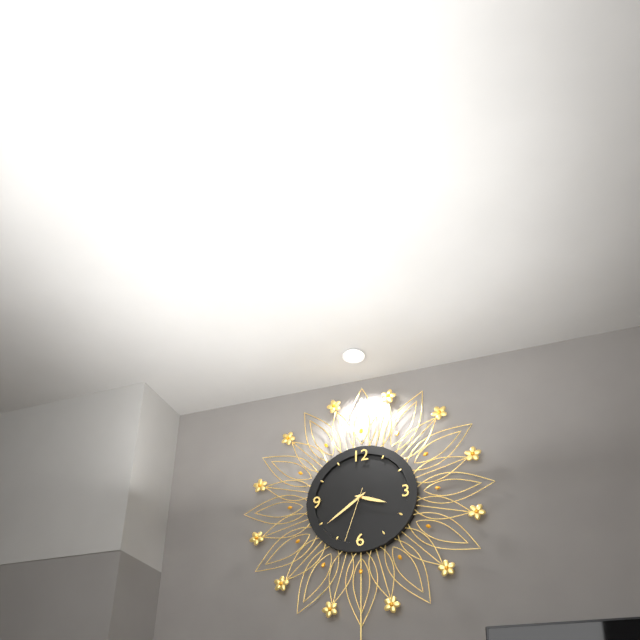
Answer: 3,39,33
